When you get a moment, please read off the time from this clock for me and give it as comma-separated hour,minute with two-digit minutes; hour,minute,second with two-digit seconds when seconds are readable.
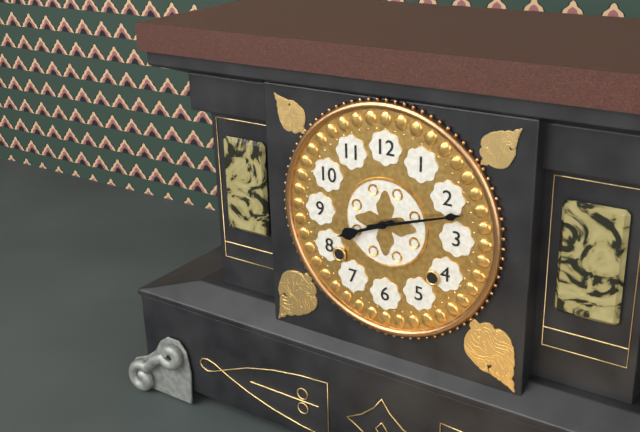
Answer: 8,12
